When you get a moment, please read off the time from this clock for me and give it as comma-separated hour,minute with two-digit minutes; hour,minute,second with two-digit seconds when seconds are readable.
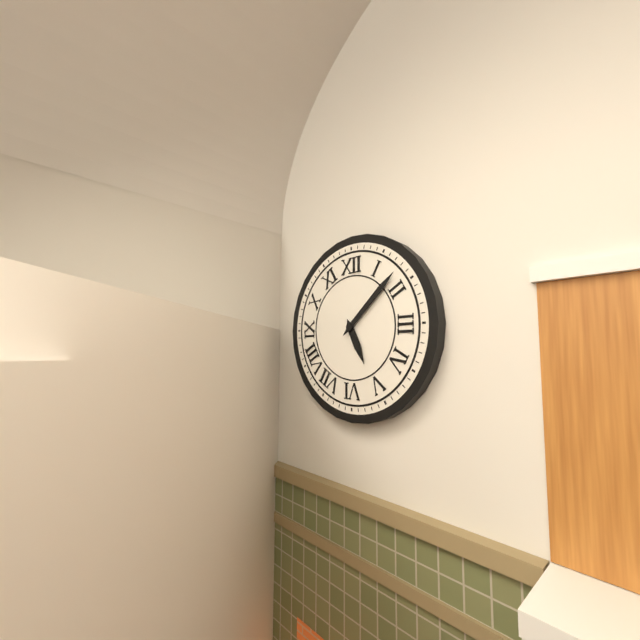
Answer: 5,08
